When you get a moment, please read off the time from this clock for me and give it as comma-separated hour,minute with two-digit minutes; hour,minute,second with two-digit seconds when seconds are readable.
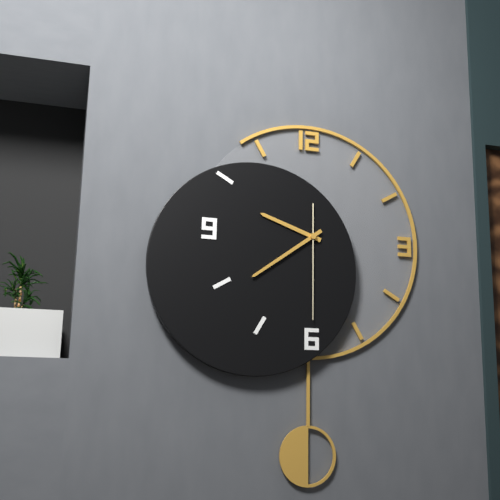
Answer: 9,39,30
